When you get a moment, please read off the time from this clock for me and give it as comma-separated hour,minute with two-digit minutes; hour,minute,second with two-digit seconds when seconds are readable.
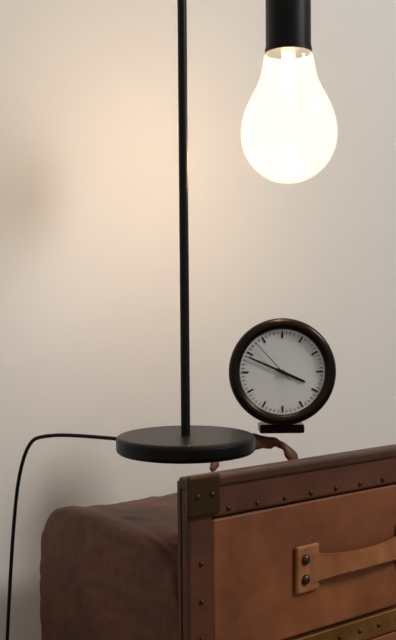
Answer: 3,49
